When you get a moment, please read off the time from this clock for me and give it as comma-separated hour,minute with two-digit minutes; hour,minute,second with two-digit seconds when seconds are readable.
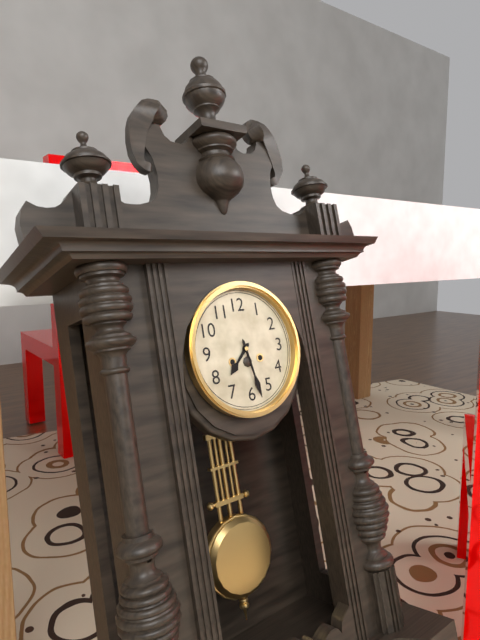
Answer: 7,28
